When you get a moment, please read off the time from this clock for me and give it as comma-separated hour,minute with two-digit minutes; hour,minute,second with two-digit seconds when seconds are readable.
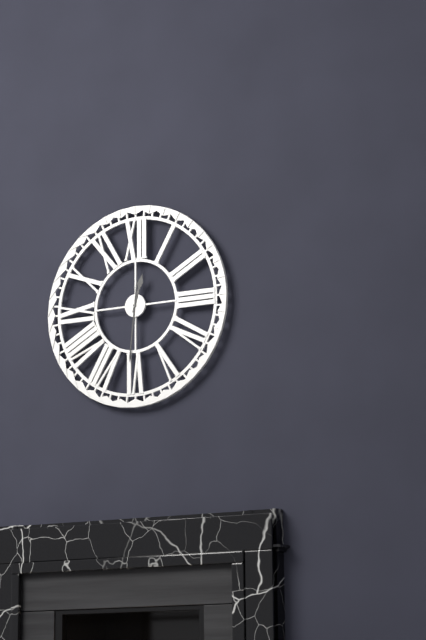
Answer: 12,31
